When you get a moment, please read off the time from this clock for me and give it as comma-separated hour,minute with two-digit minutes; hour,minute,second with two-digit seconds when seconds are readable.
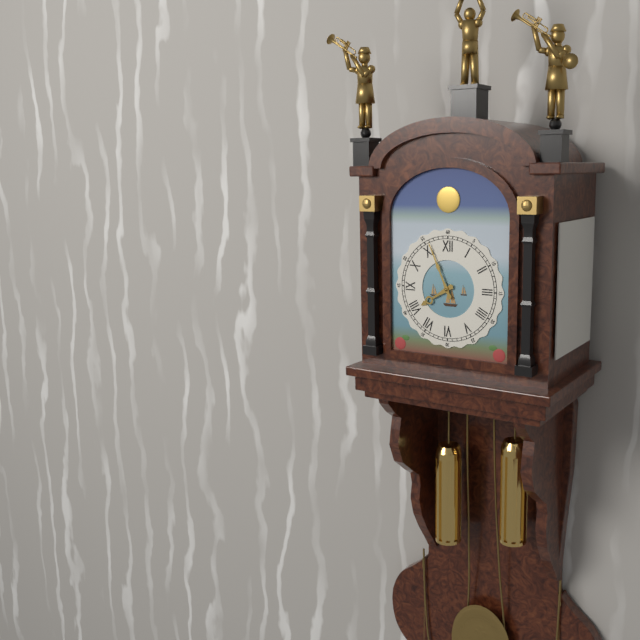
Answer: 7,56
